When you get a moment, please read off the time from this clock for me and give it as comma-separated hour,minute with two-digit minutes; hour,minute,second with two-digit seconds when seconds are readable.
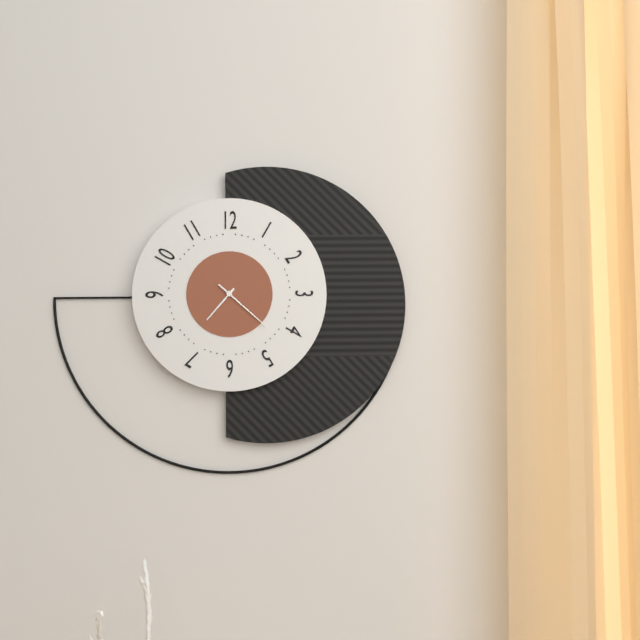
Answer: 7,22
